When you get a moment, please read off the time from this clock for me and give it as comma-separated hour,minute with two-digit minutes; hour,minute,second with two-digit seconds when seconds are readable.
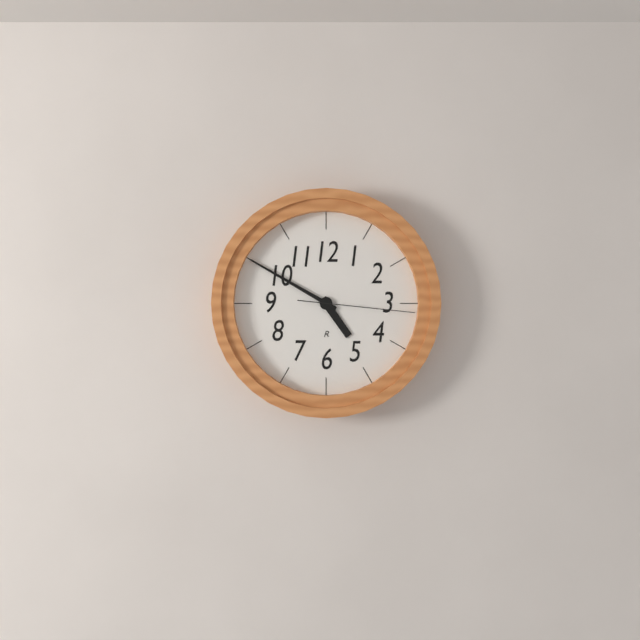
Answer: 4,50,16
